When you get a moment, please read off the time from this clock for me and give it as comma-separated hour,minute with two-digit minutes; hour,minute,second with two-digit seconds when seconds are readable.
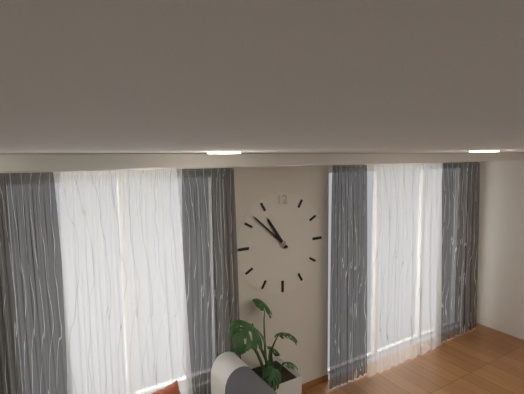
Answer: 10,52
